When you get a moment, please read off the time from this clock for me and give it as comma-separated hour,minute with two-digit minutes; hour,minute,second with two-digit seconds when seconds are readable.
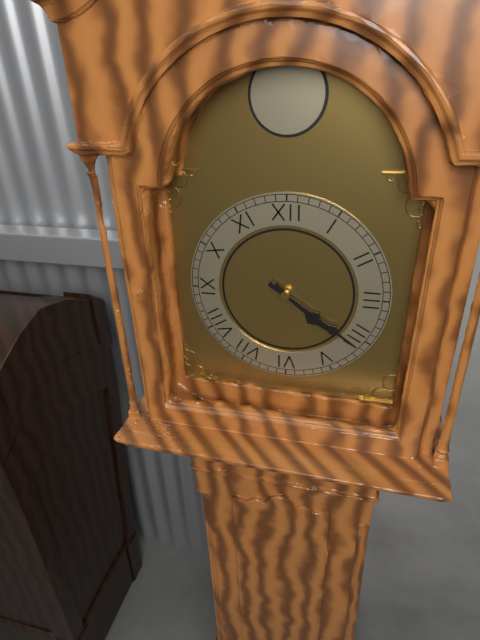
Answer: 4,21
